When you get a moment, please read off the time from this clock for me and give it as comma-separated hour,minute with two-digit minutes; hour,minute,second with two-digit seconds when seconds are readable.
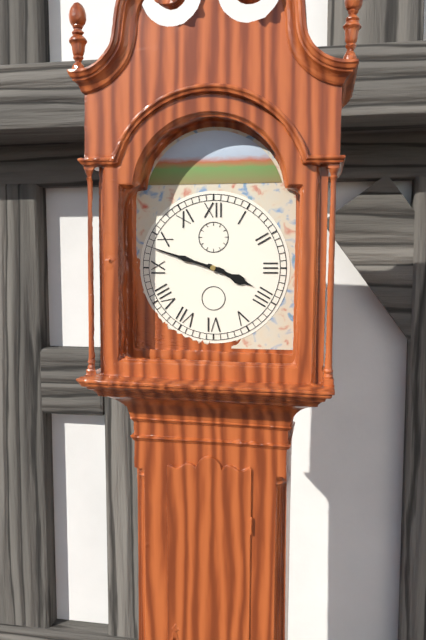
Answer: 3,48
